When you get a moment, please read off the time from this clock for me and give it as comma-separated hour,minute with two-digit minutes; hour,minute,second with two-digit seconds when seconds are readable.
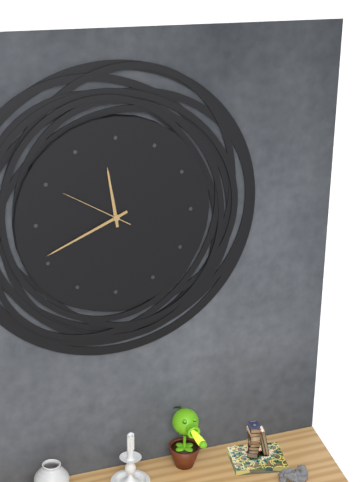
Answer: 11,41,50
